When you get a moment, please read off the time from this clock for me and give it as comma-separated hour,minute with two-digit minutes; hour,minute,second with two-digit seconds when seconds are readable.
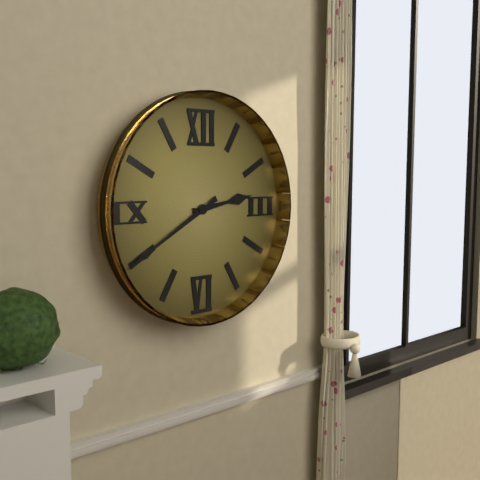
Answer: 2,40
